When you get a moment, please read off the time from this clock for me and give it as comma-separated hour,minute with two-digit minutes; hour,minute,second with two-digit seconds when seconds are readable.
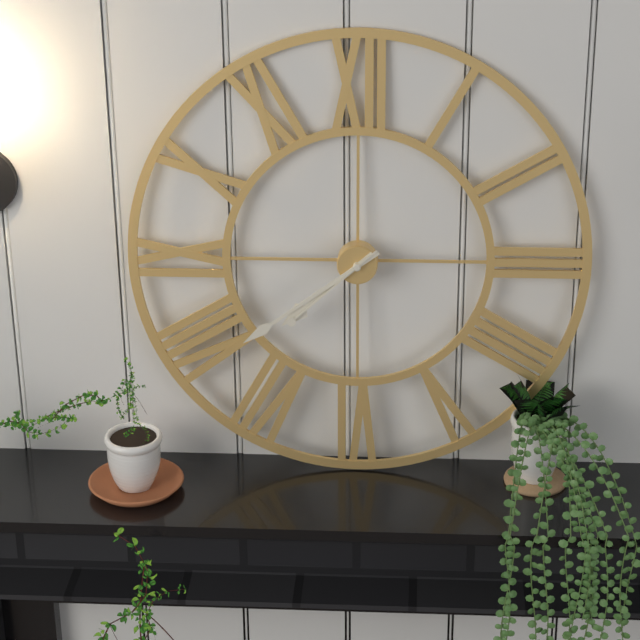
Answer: 7,39,38
